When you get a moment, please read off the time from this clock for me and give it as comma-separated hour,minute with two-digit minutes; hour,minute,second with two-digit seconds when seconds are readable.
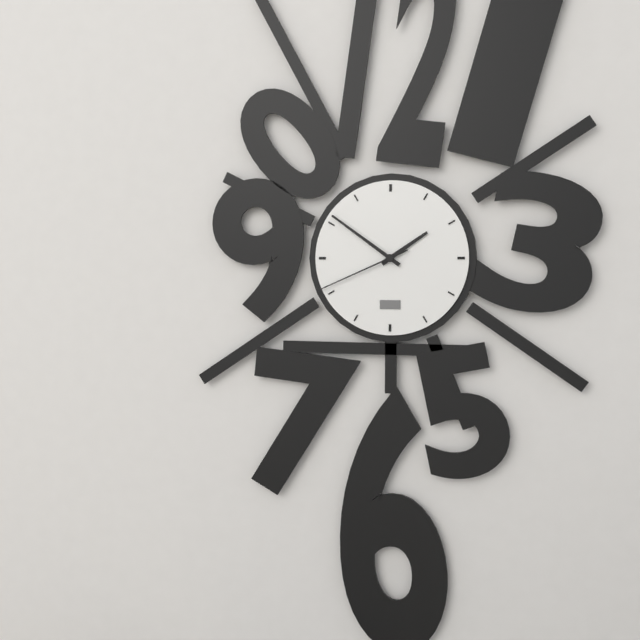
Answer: 1,51,41
